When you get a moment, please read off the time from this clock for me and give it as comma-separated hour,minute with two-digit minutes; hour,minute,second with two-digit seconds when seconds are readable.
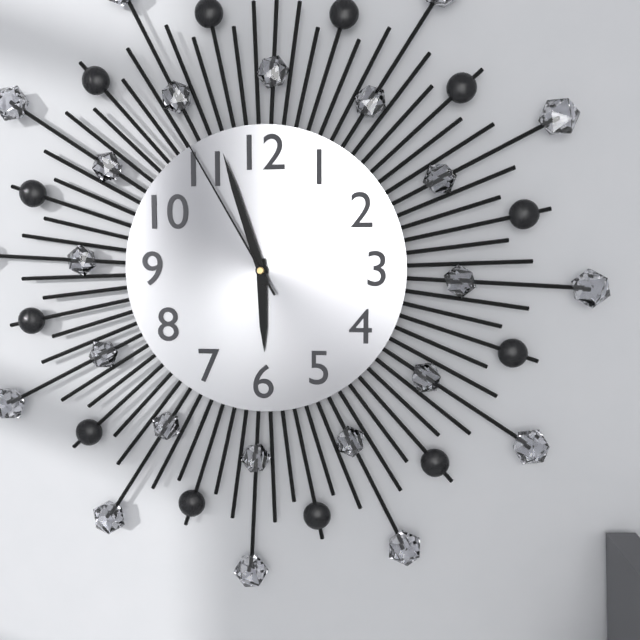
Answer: 5,57,55
